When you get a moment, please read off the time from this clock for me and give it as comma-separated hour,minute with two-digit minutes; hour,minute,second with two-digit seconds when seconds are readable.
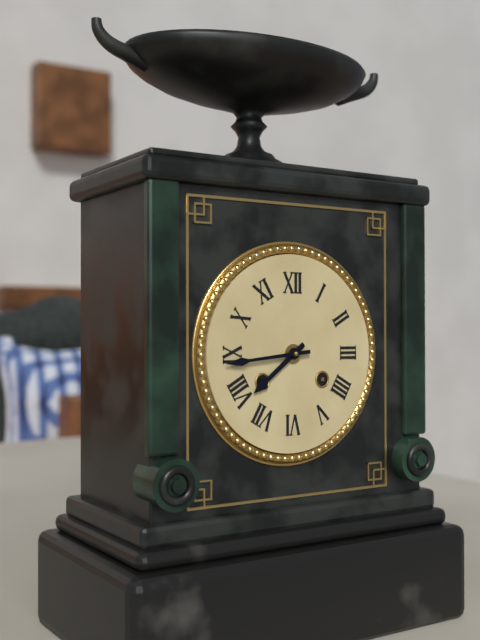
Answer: 7,44
